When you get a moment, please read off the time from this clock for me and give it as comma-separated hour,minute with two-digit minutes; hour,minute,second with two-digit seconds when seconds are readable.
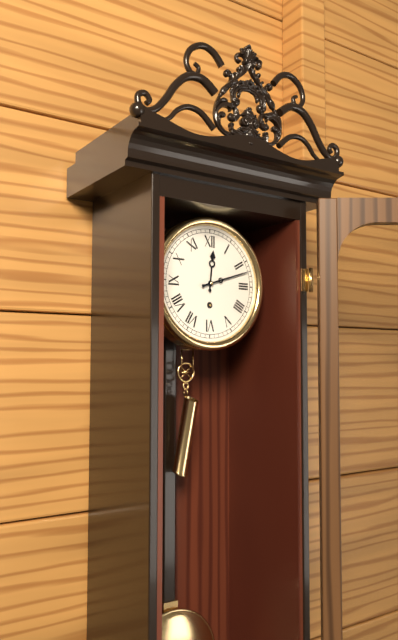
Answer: 12,12
